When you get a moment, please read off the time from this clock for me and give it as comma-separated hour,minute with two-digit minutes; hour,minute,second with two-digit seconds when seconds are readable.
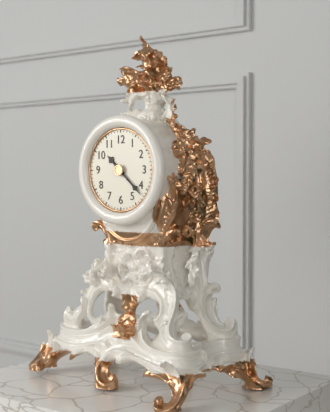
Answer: 10,22
